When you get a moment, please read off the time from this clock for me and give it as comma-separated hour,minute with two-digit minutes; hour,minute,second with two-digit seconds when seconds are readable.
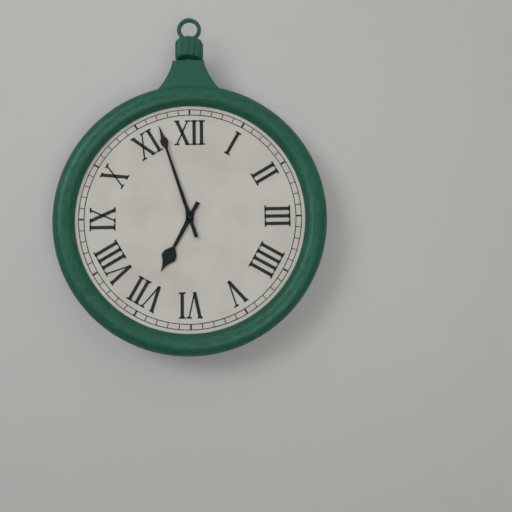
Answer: 6,57
